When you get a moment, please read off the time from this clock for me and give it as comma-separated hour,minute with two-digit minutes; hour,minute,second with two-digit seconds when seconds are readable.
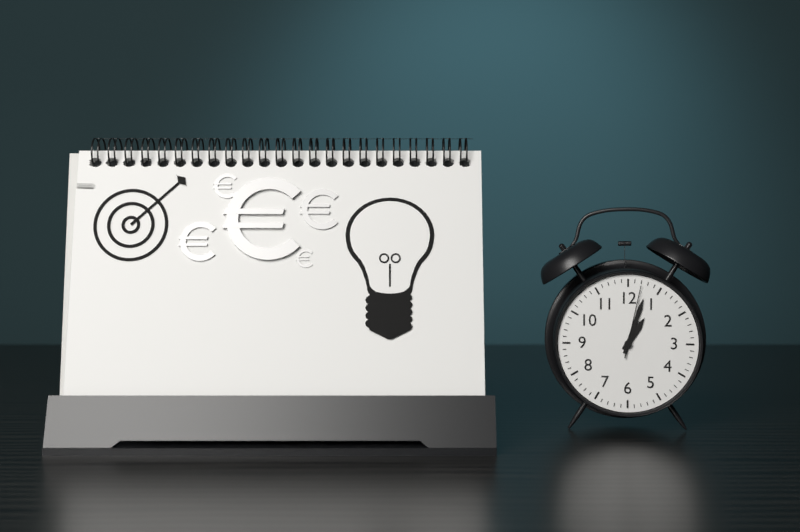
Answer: 1,03,02
